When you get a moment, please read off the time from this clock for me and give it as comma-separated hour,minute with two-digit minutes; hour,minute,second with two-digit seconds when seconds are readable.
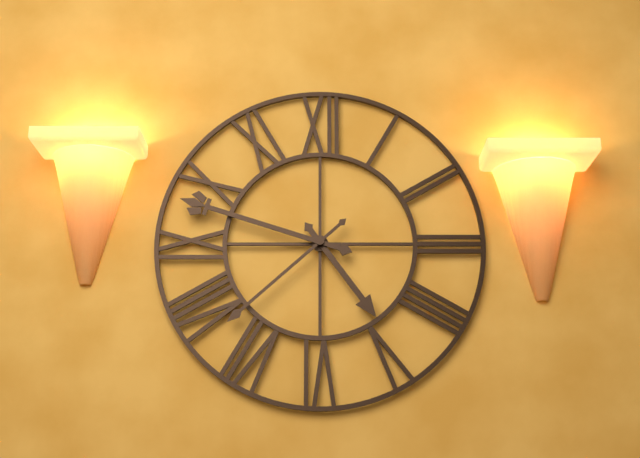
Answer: 4,48,38
